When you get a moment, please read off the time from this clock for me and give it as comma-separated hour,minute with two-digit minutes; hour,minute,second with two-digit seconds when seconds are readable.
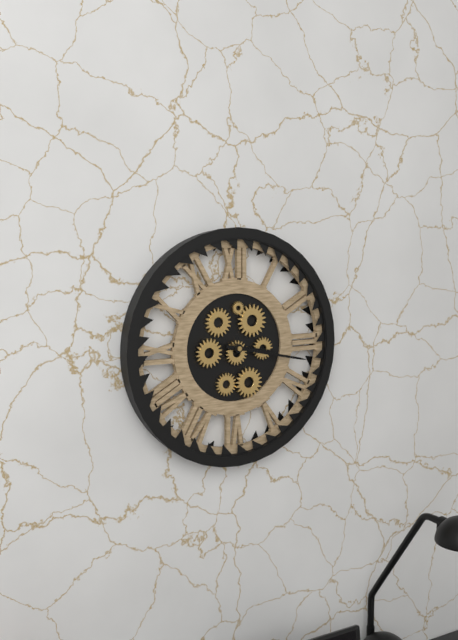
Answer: 3,17
